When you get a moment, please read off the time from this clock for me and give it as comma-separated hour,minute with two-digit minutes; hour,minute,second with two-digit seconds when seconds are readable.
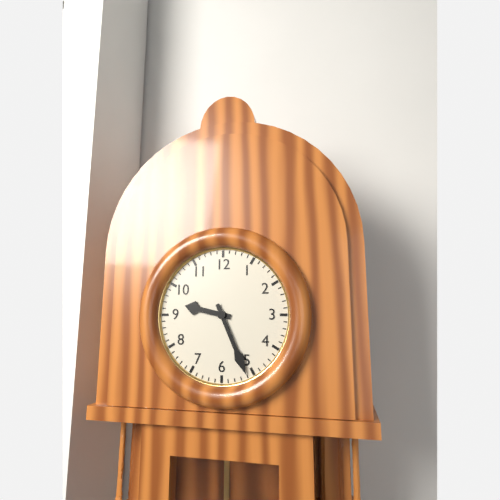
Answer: 9,26
